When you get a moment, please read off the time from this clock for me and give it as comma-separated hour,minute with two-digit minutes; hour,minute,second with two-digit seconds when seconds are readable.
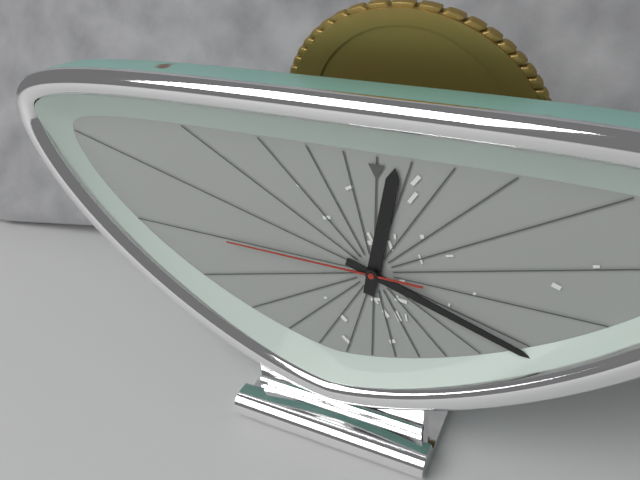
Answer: 12,18,45
